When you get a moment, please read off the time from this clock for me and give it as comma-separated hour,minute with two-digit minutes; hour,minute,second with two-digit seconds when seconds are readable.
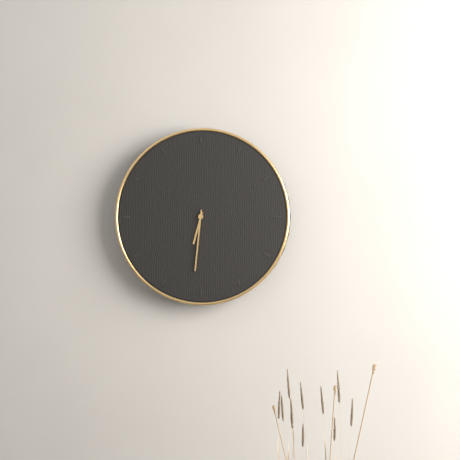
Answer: 6,31
